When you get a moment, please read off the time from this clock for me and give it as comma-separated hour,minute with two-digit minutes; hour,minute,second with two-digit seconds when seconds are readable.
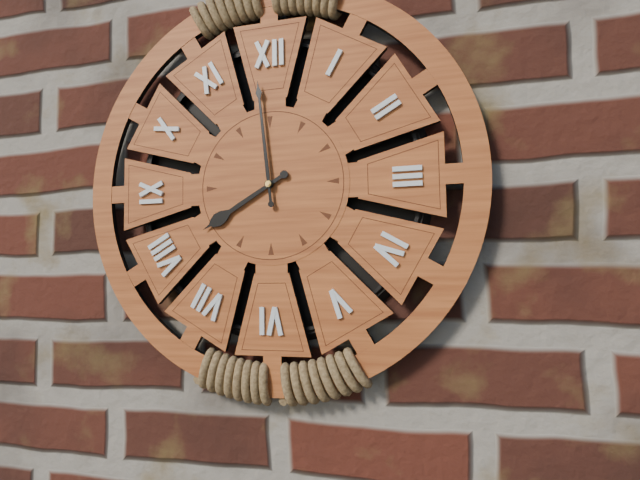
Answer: 7,59
